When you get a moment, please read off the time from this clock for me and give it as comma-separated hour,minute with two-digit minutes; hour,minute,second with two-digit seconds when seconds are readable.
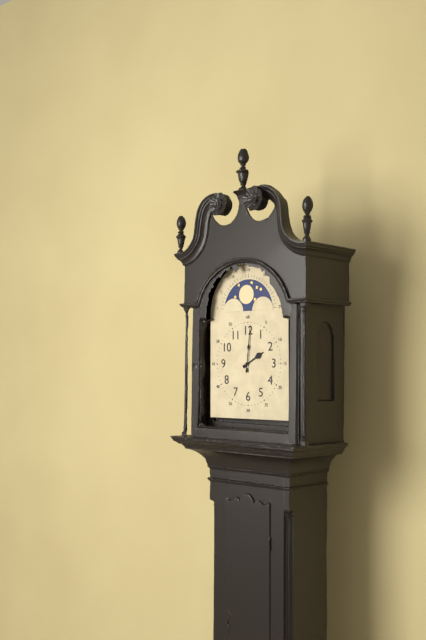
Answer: 2,01
